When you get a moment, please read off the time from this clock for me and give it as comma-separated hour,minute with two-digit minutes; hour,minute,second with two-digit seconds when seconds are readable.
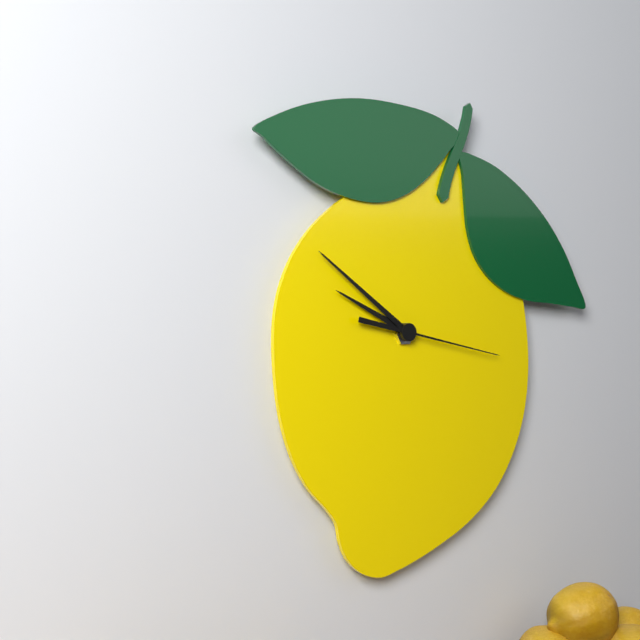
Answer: 9,51,17
